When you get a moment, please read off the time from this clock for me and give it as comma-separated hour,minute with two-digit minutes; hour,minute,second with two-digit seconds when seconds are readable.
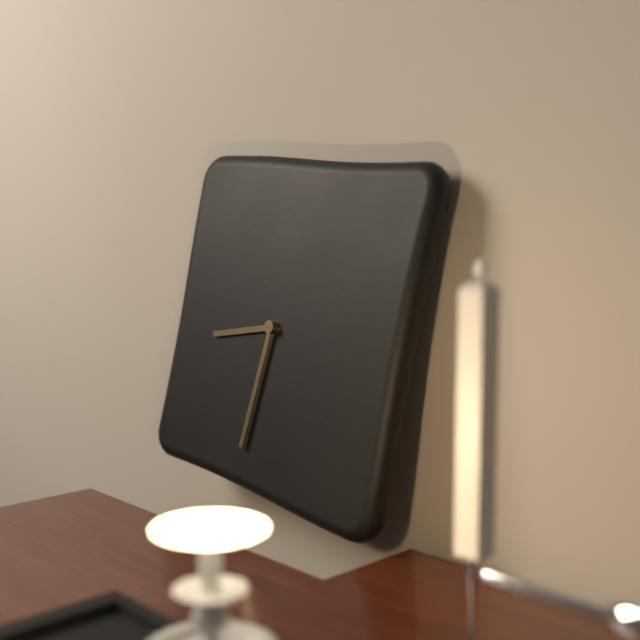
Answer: 8,31
